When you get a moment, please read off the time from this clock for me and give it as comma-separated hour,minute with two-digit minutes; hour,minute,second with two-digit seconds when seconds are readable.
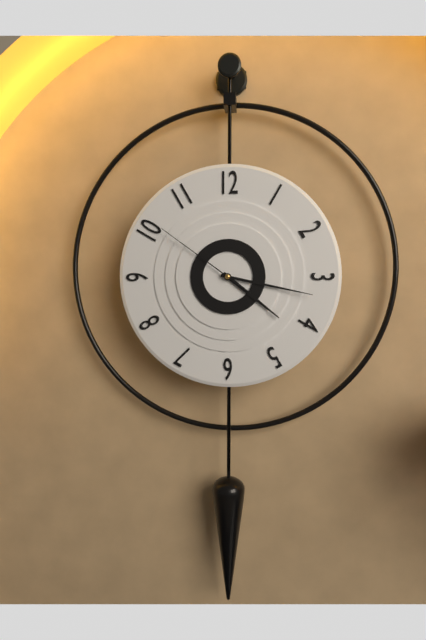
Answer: 4,17,51
